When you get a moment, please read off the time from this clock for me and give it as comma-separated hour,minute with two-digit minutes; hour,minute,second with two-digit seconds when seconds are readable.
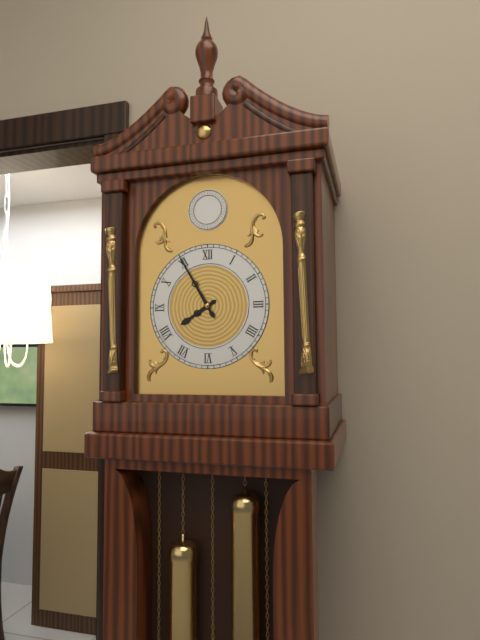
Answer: 7,55
